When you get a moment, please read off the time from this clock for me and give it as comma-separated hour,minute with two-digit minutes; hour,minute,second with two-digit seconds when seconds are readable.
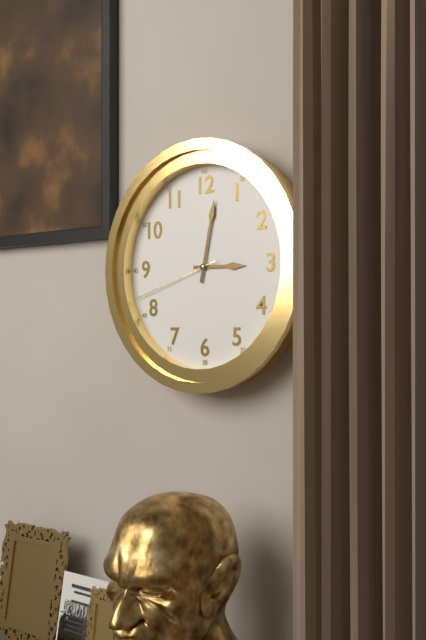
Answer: 3,02,42
